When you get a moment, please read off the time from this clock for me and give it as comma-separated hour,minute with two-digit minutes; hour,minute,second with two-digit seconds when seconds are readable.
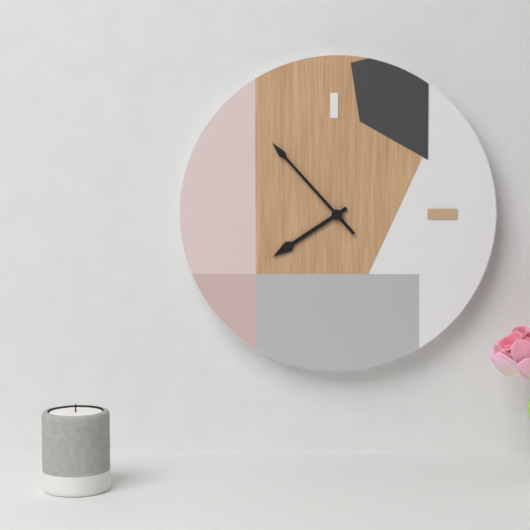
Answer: 7,53
